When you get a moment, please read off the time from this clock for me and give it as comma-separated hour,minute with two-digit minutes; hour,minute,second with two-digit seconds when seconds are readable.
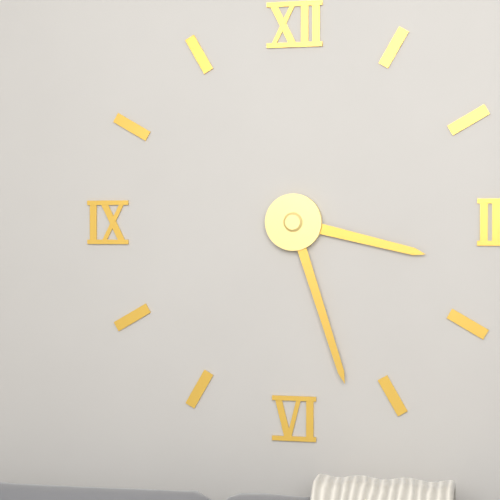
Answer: 3,27
